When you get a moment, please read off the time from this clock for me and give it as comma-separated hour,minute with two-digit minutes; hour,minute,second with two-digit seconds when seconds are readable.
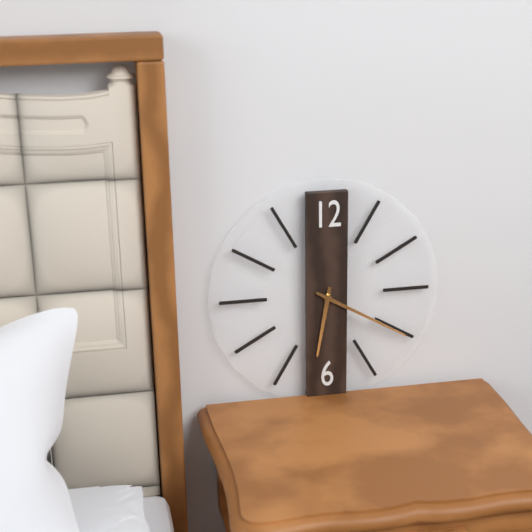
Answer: 6,20
